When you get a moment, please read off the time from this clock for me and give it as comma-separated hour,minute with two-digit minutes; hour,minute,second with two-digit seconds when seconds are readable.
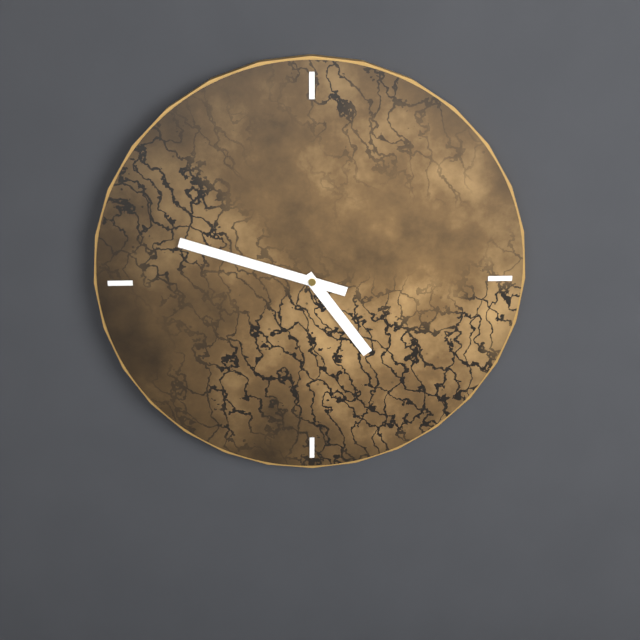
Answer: 4,48
